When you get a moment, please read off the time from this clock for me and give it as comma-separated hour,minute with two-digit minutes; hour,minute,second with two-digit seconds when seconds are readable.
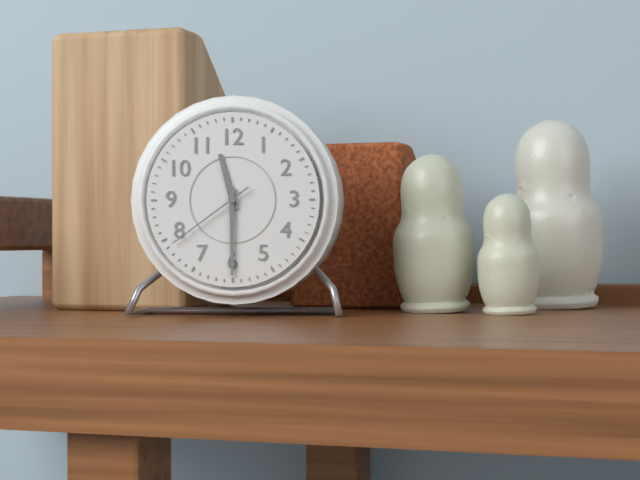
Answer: 11,30,39
